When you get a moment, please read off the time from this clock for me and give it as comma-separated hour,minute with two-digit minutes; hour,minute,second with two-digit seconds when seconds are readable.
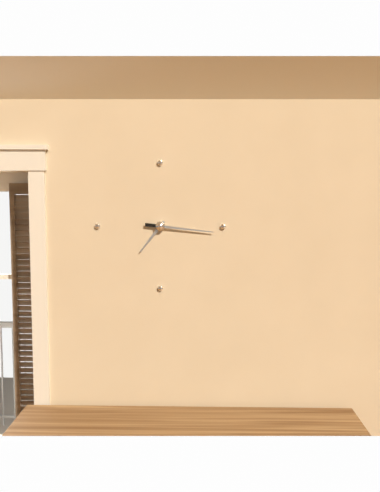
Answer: 7,16
